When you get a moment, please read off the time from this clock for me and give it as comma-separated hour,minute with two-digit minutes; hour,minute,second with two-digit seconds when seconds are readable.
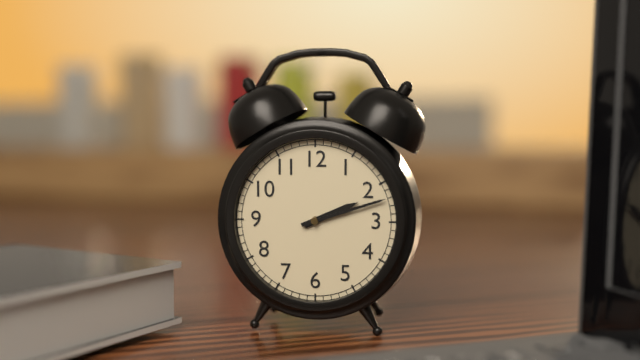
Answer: 2,12
